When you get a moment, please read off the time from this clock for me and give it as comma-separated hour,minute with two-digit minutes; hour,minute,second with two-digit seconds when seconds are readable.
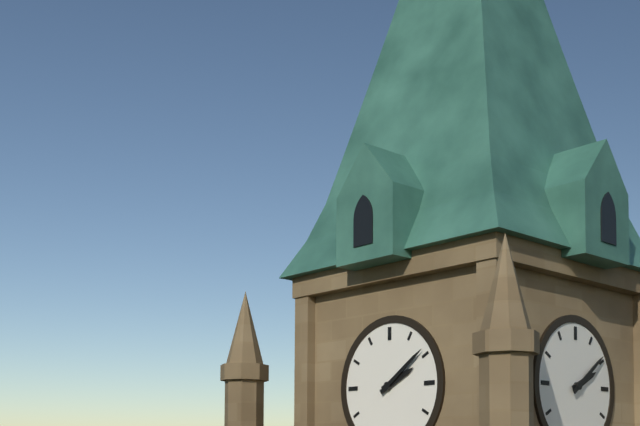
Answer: 2,09
